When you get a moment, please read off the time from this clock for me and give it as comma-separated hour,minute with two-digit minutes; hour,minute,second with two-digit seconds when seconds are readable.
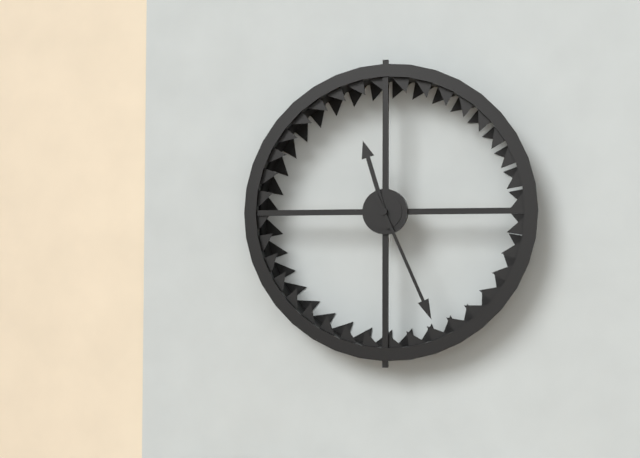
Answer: 11,26
